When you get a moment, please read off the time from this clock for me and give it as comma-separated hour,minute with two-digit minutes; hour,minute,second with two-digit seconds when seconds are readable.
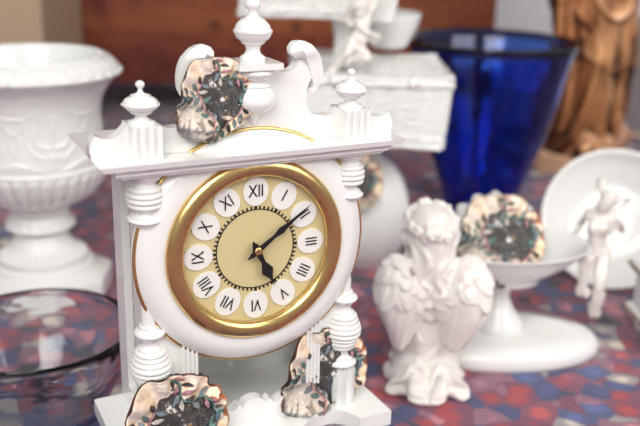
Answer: 5,09
